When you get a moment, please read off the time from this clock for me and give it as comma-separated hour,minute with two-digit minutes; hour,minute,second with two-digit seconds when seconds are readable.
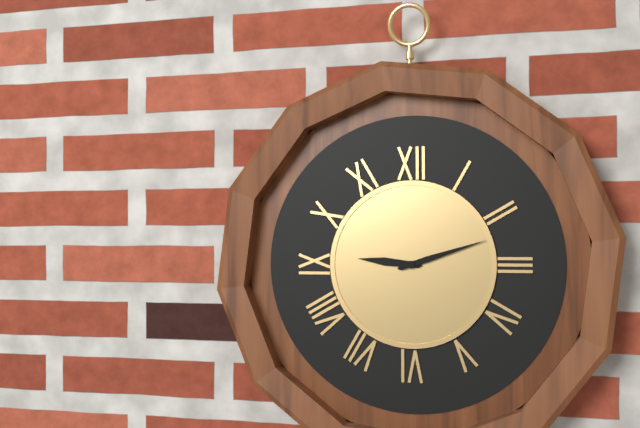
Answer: 9,12
